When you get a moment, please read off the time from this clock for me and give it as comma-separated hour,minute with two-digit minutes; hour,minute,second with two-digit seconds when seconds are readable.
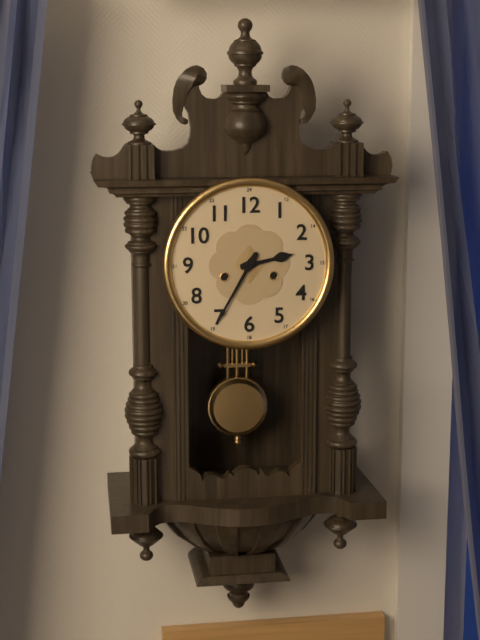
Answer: 2,35
